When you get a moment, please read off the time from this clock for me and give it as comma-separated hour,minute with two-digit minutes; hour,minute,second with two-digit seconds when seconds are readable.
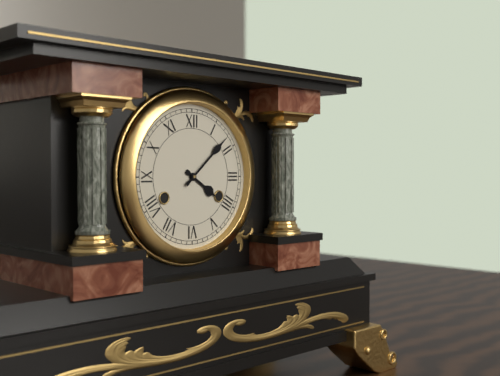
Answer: 4,08
